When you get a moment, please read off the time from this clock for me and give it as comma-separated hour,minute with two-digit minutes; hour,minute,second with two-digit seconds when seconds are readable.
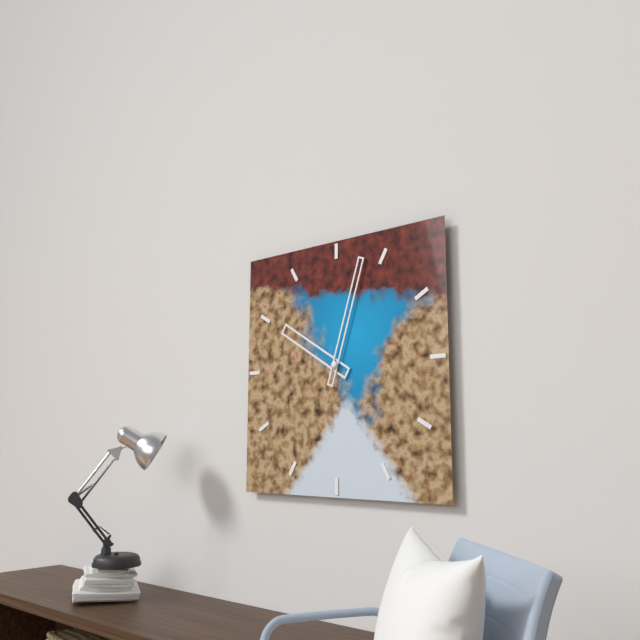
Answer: 10,03
